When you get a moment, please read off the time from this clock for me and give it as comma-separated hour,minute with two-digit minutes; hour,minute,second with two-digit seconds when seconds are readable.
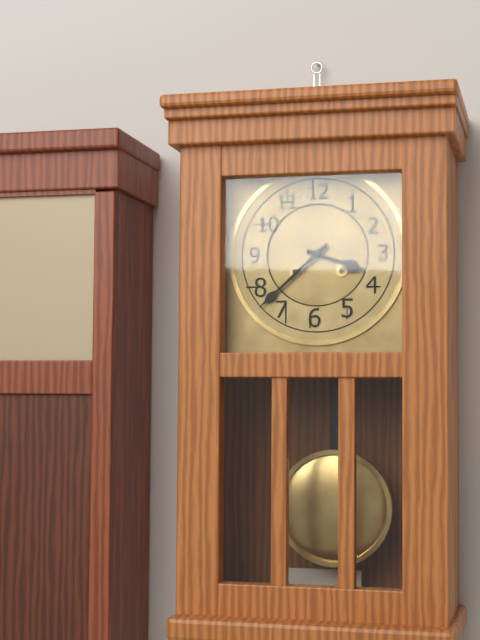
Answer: 3,38
